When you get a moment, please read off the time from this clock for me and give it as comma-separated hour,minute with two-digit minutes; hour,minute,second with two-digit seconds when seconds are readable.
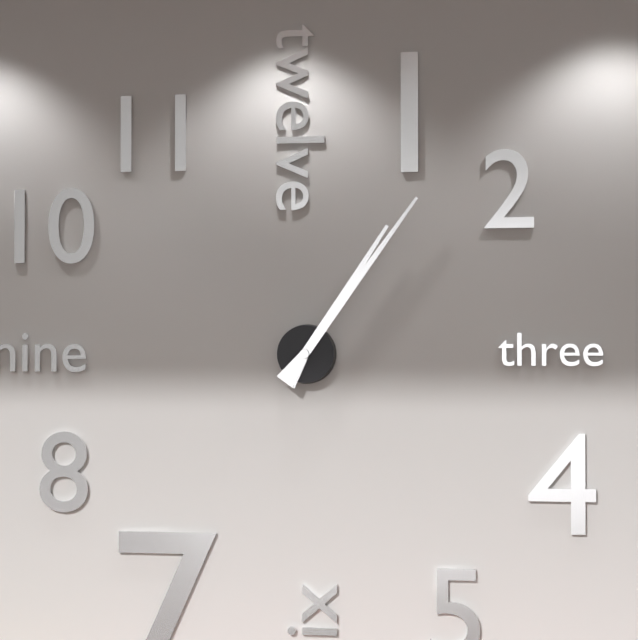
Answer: 1,06
